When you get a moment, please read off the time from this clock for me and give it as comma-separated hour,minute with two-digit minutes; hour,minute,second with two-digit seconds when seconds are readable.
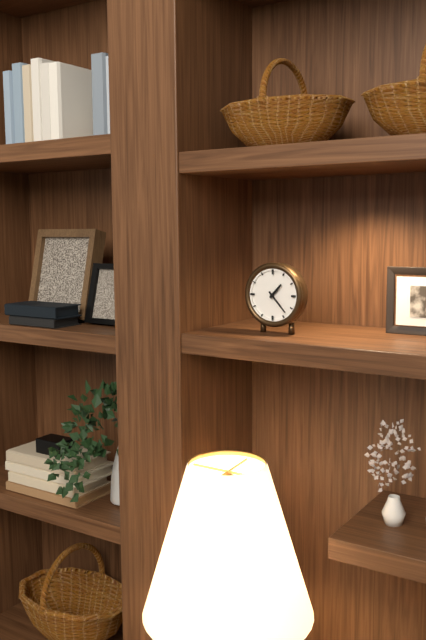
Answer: 1,23
